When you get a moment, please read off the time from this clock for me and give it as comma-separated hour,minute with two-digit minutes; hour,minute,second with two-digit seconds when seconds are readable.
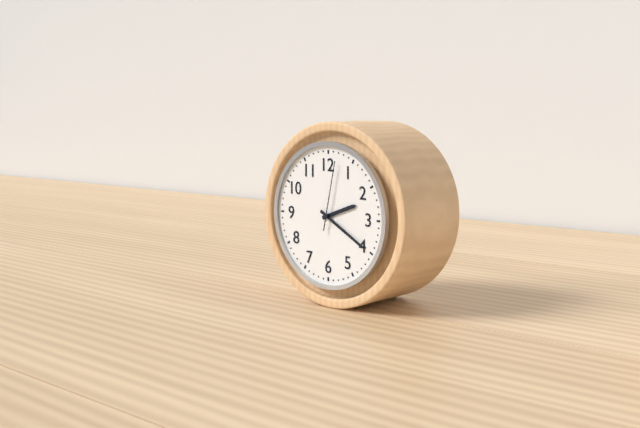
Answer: 2,20,02
